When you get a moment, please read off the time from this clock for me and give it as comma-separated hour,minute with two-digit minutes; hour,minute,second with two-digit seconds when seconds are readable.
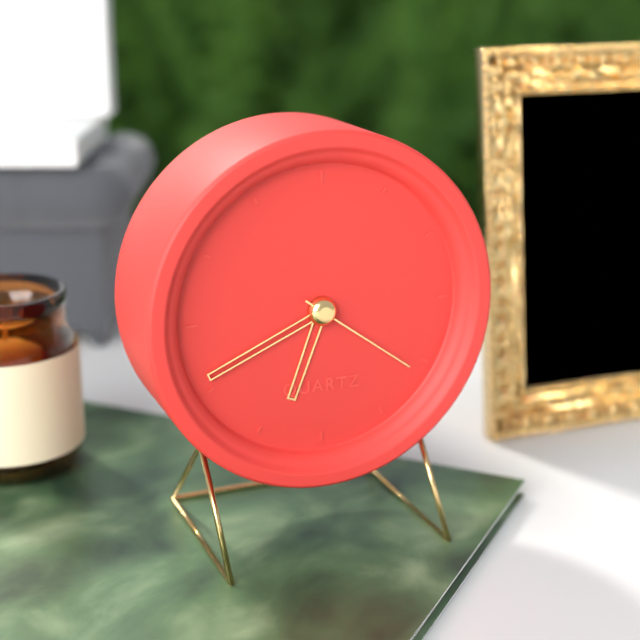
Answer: 6,41,21
